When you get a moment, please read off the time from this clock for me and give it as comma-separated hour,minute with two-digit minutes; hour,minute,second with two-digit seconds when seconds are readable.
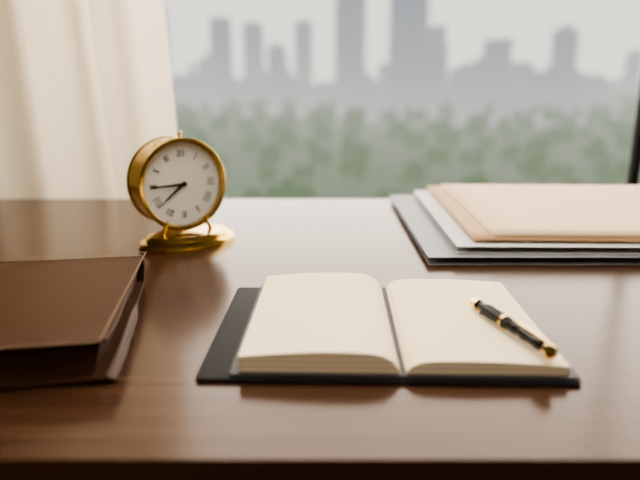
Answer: 7,45
